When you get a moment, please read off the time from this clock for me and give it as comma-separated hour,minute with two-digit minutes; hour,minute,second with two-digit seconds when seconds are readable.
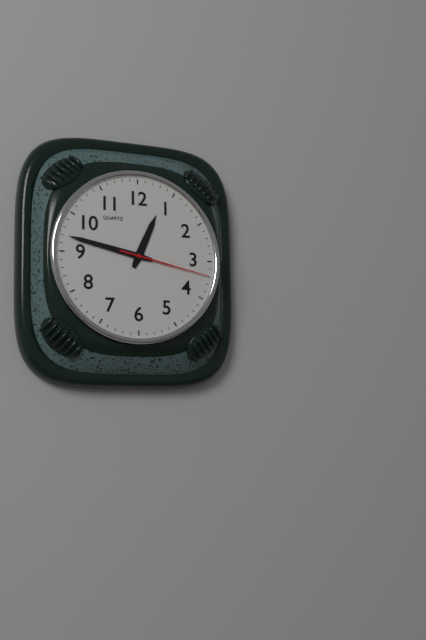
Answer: 12,47,17
